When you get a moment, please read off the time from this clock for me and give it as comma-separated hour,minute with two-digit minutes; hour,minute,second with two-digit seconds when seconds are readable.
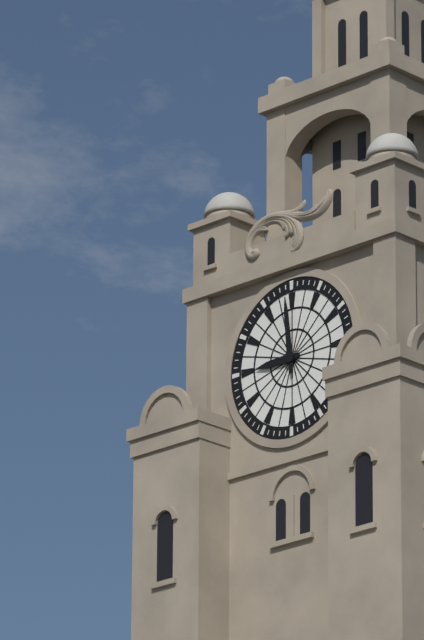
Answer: 8,59
